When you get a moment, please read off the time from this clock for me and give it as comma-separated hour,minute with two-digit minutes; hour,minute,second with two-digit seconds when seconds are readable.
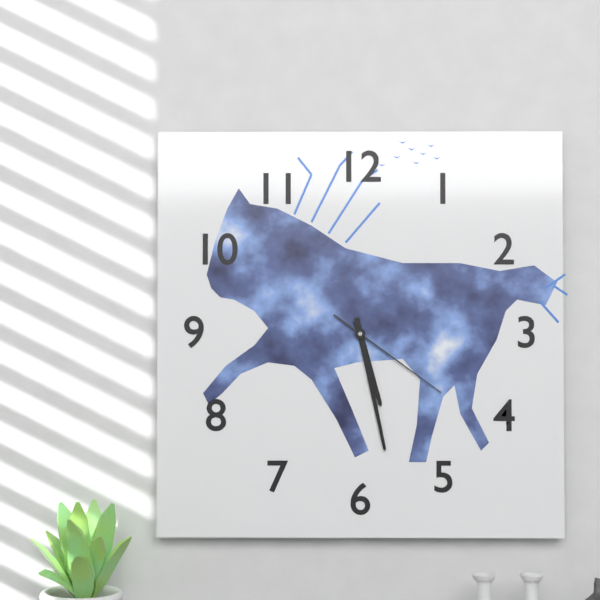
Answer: 5,28,21
